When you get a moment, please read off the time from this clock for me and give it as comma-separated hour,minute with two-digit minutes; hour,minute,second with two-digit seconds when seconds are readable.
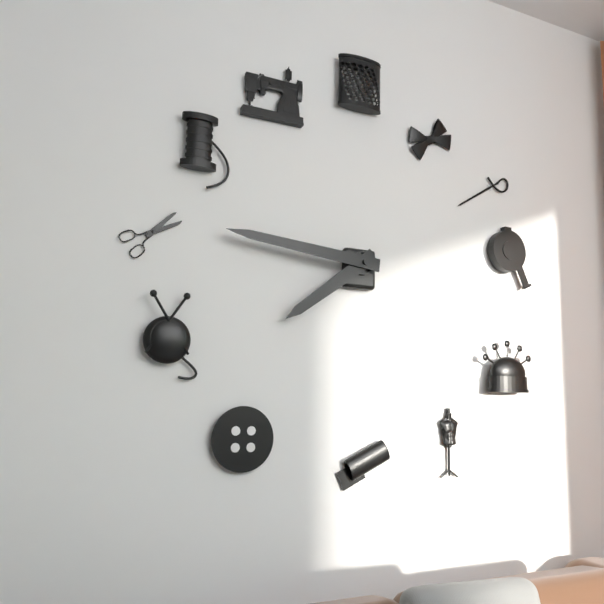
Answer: 7,46
